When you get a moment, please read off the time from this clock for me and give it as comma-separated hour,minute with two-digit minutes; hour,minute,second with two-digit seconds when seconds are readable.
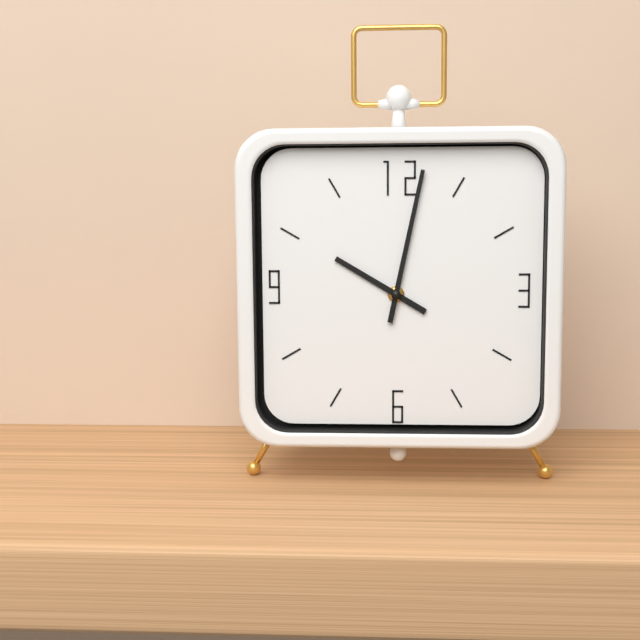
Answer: 10,02
